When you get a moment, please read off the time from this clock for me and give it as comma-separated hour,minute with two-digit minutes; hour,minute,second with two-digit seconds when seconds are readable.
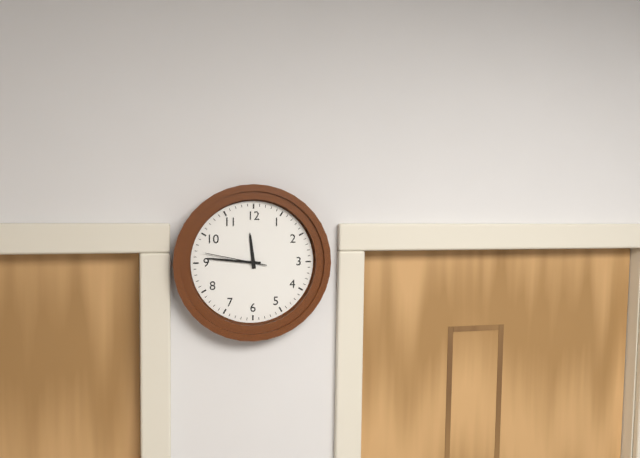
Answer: 11,46,47
